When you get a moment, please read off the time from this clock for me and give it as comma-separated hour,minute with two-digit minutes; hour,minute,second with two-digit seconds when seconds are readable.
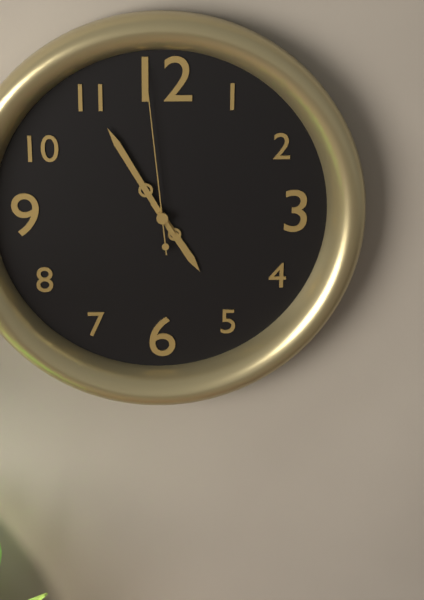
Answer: 4,55,59
